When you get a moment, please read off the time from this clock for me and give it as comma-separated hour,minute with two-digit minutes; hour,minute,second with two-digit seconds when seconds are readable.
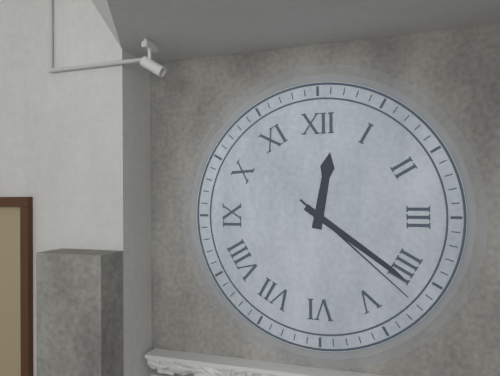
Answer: 12,21,22
